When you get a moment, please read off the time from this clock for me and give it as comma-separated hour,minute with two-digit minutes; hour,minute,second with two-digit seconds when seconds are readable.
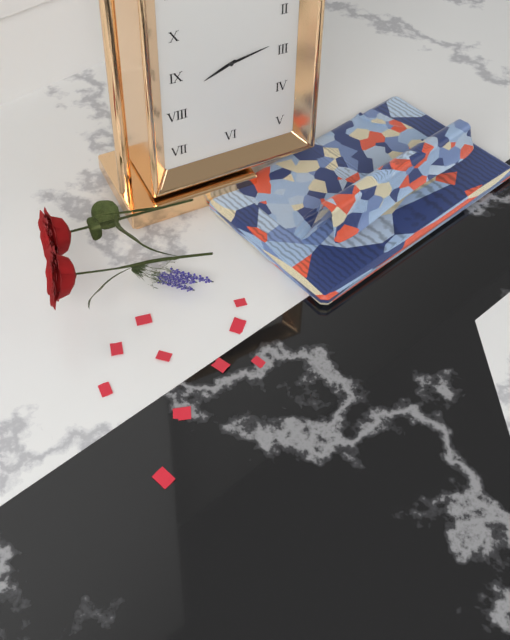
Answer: 8,13
